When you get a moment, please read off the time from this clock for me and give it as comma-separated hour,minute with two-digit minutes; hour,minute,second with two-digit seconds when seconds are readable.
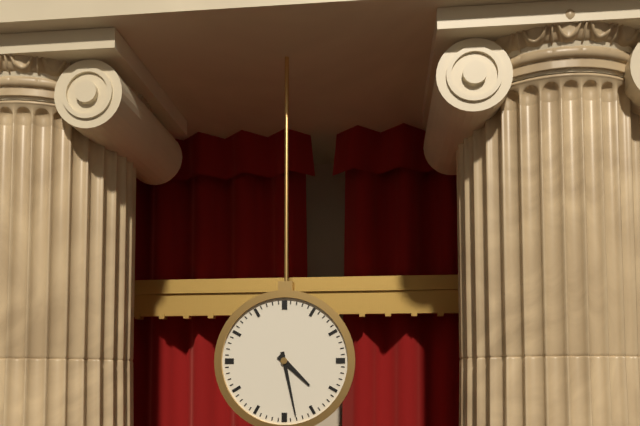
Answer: 4,28
